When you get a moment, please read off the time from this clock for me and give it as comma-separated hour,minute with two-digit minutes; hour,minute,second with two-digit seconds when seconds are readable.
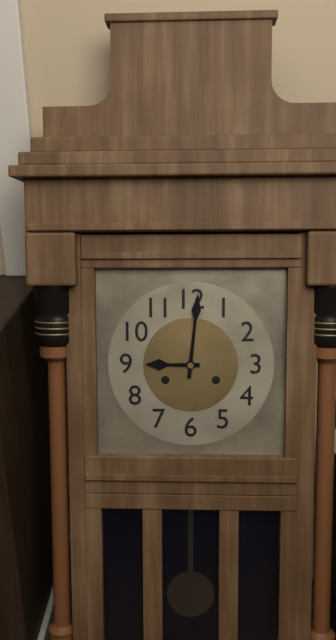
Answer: 9,01
